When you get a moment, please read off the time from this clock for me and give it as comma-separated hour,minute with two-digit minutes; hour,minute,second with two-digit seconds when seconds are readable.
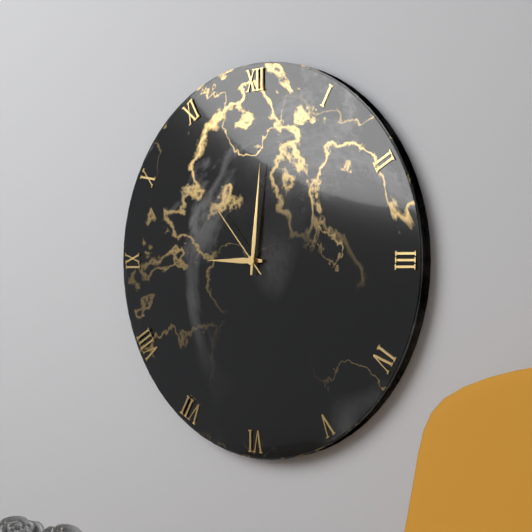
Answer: 9,01,53
